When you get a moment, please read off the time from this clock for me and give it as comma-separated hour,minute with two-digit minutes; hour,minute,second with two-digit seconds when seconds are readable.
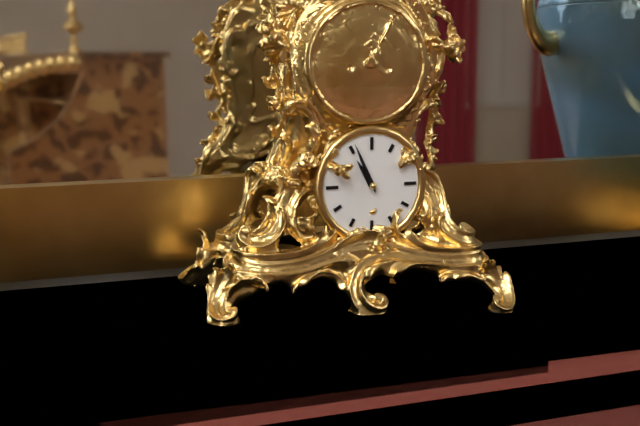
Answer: 10,56
